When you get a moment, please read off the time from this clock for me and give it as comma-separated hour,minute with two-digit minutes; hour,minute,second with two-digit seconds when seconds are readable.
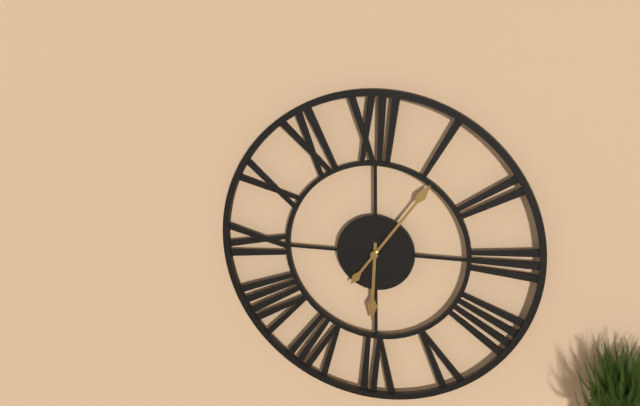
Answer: 6,06
